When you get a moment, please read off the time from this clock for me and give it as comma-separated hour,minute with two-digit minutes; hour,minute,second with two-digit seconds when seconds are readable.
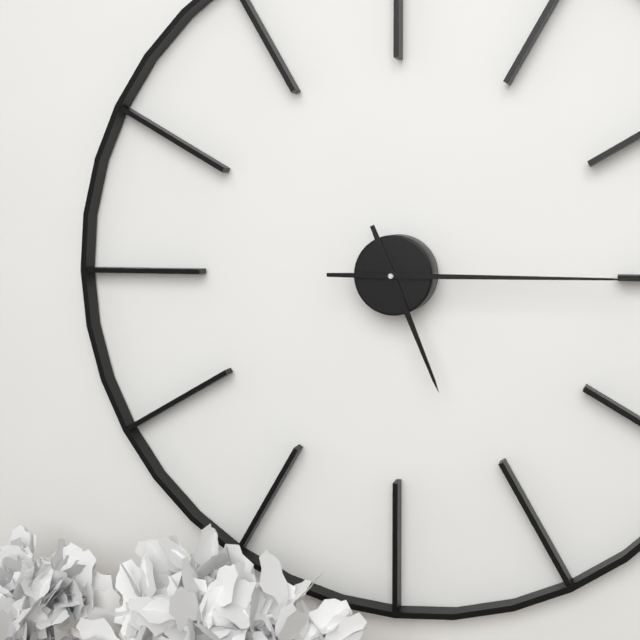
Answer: 5,15
